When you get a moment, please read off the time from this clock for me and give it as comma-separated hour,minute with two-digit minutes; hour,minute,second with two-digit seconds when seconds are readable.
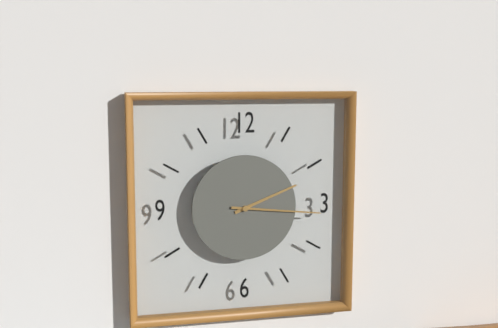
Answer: 2,16
